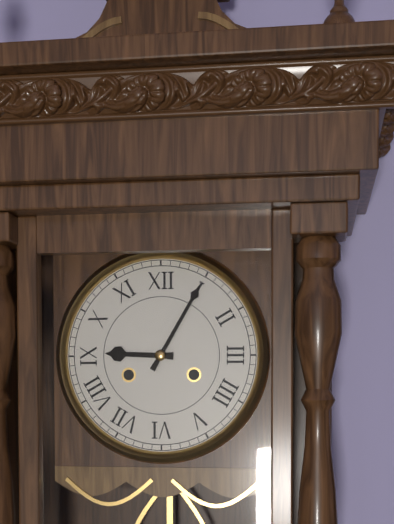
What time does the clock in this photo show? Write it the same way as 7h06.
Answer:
9h05
